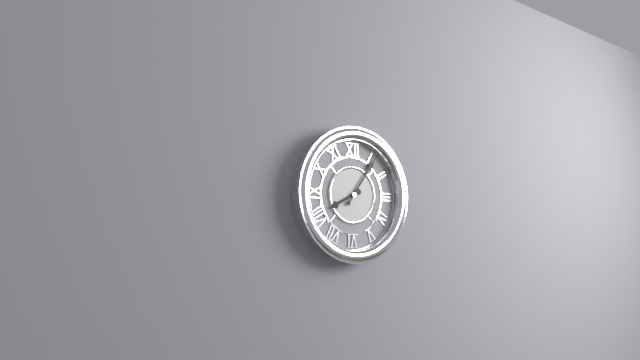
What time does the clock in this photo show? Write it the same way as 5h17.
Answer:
8h06
